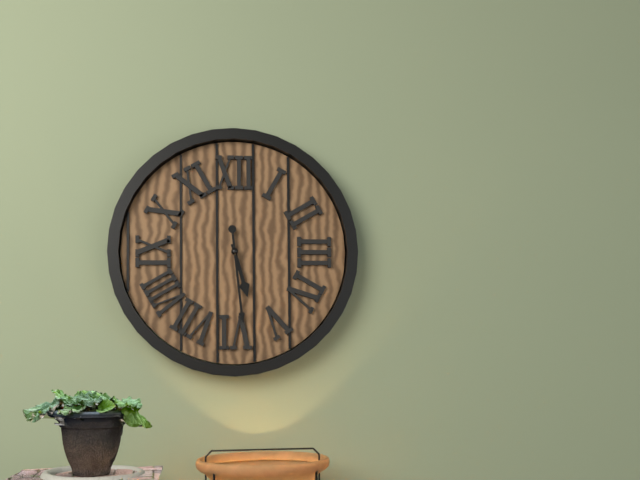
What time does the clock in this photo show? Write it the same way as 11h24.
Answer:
5h29
